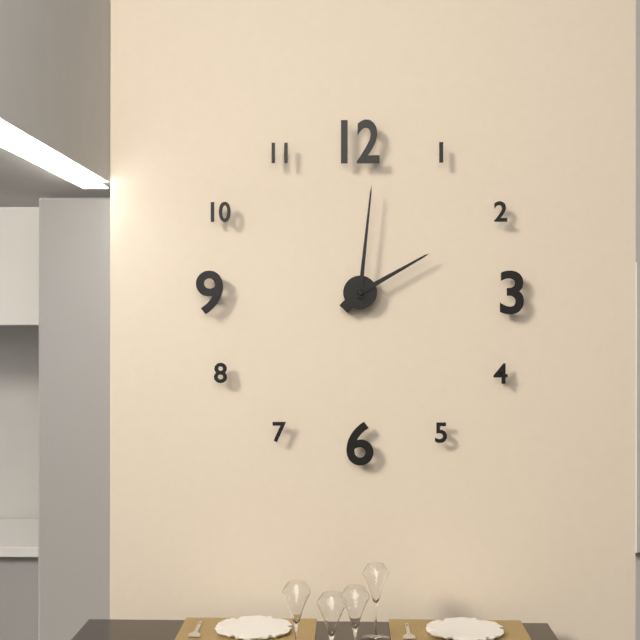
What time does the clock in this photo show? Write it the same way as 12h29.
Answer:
2h01
